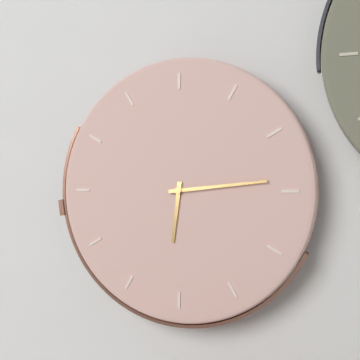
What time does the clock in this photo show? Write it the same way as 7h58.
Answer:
6h14
